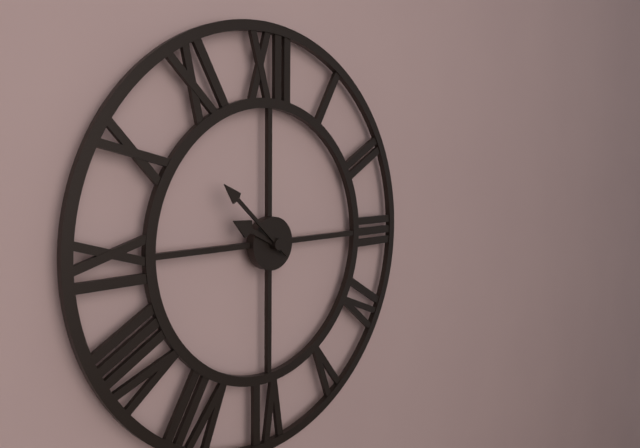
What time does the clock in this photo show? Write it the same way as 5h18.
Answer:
9h52
